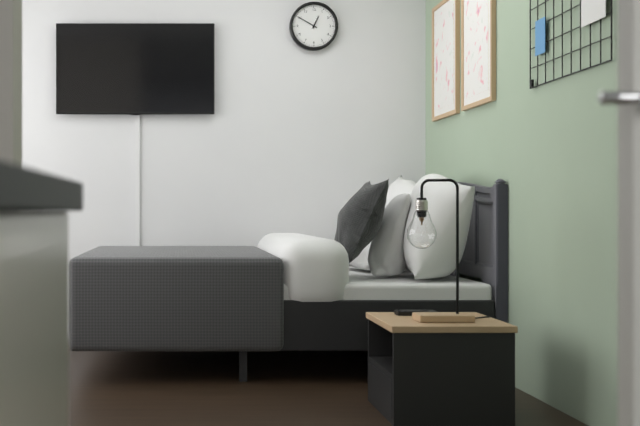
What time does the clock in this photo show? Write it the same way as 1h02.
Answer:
12h50
